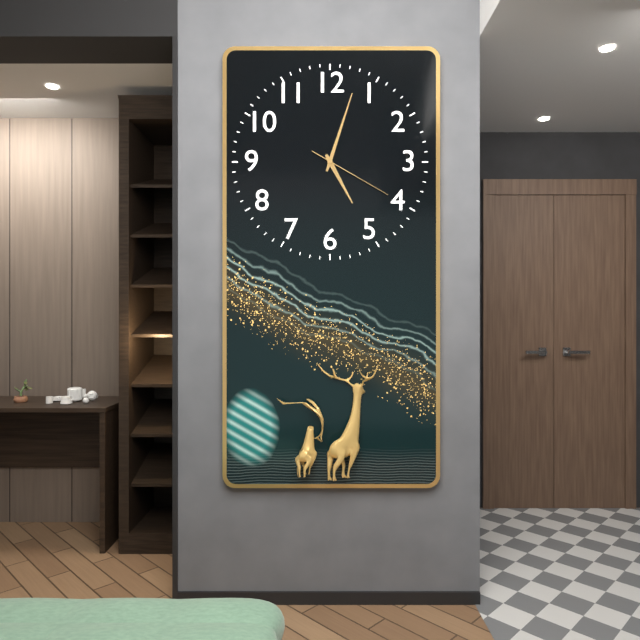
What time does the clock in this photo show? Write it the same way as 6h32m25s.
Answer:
5h03m20s
